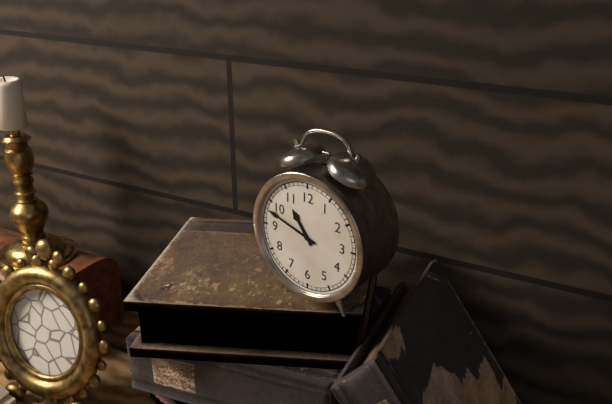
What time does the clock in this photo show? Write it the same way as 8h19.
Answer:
10h48
